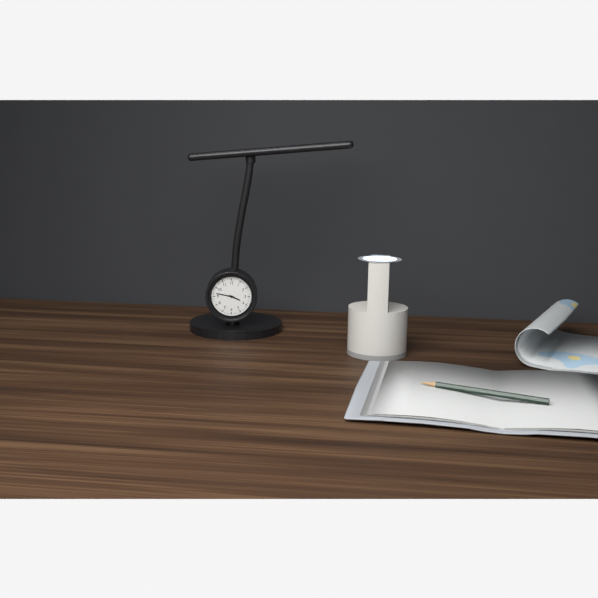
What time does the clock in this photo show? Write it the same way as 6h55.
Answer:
3h47
